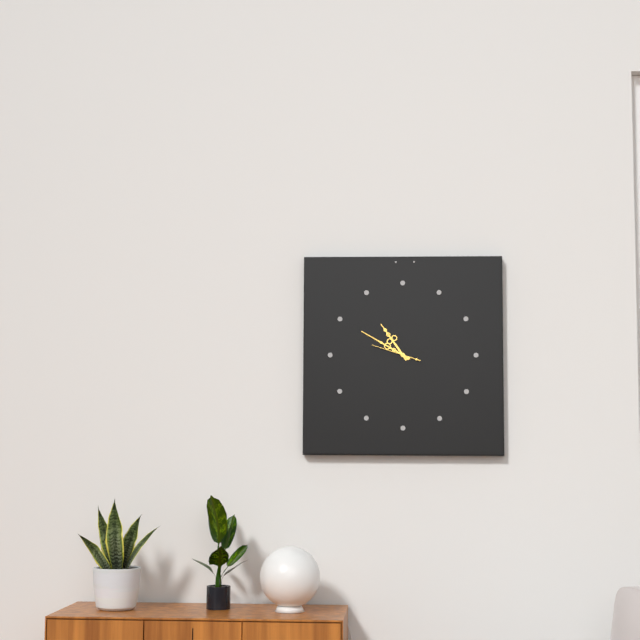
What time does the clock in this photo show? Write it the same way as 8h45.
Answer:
10h50
